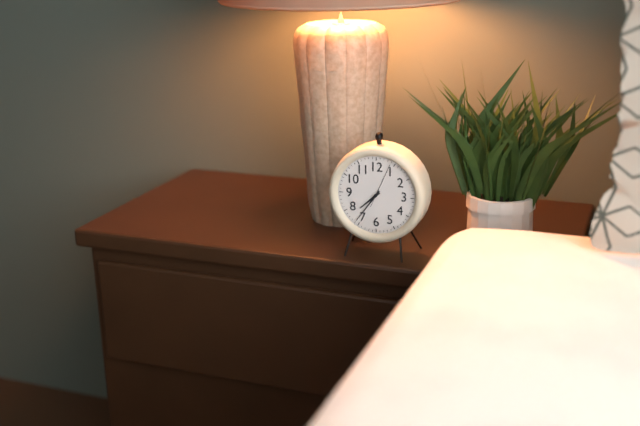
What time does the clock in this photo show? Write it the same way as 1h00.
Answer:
7h36
